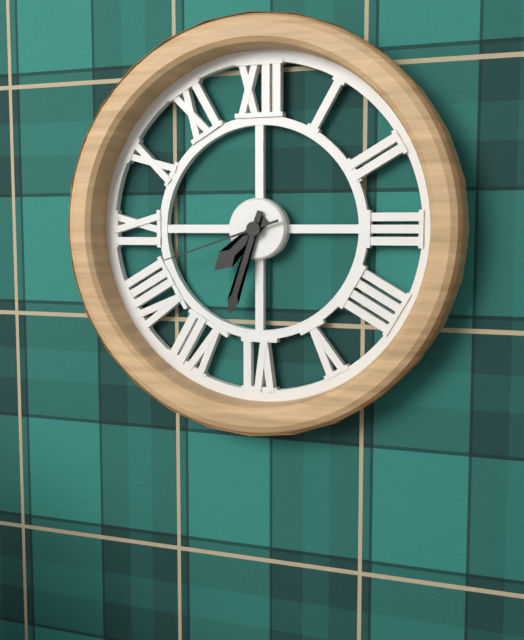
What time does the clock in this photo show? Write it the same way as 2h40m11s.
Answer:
7h33m42s
